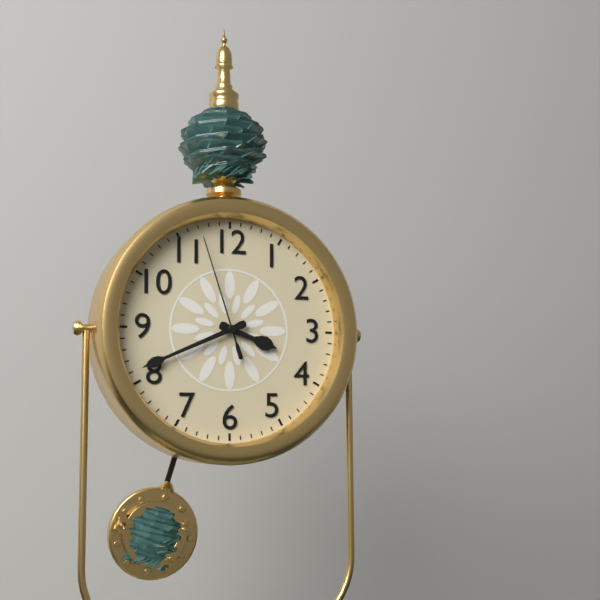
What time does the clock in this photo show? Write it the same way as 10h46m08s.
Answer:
3h41m57s
